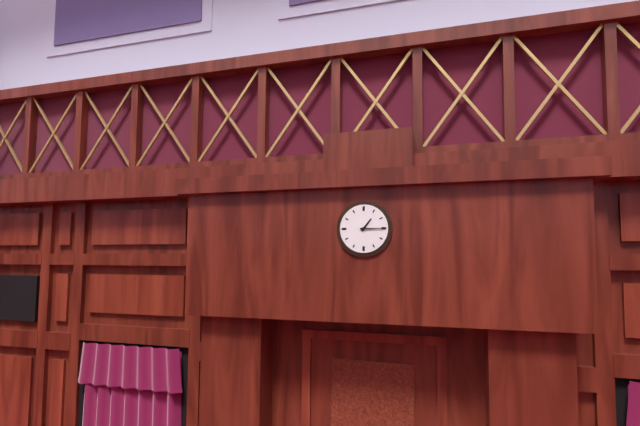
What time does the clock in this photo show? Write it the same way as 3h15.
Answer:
1h15
